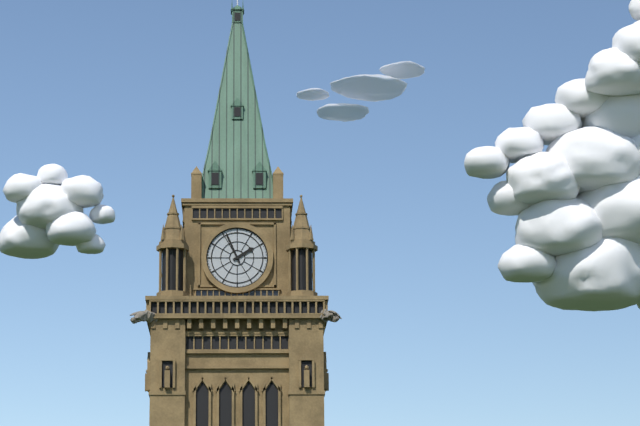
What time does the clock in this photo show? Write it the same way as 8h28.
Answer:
1h56
